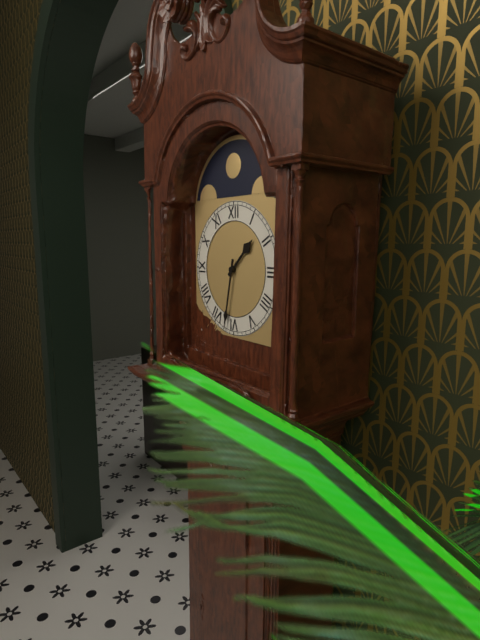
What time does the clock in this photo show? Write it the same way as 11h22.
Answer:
1h32
